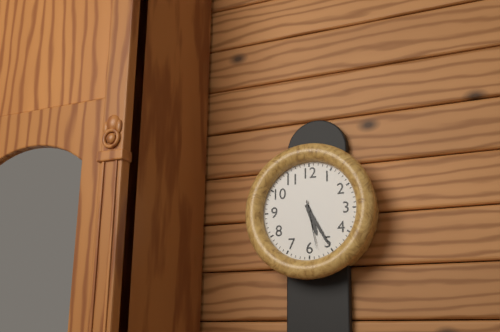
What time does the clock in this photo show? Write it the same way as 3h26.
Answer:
5h25
